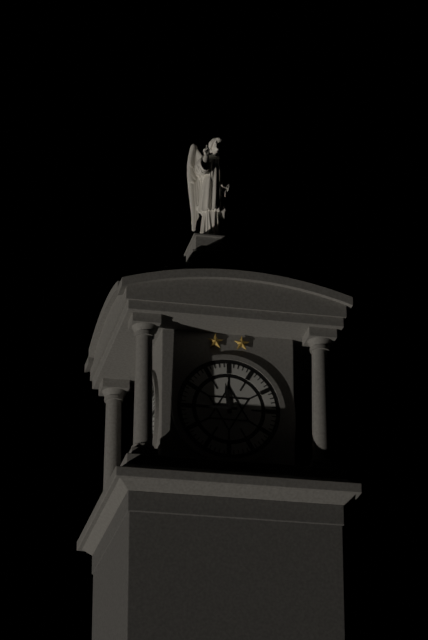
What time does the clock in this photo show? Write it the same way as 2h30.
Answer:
11h45
